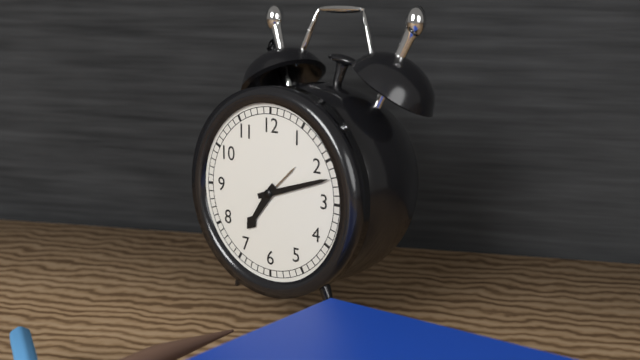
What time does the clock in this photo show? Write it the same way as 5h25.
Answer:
7h12
